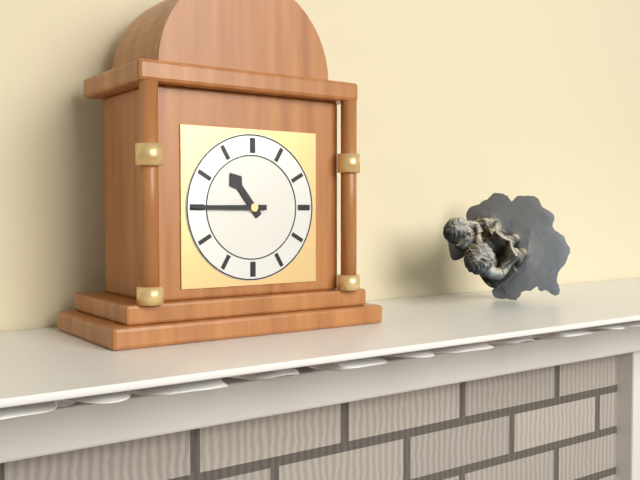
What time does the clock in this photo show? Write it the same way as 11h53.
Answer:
10h45
